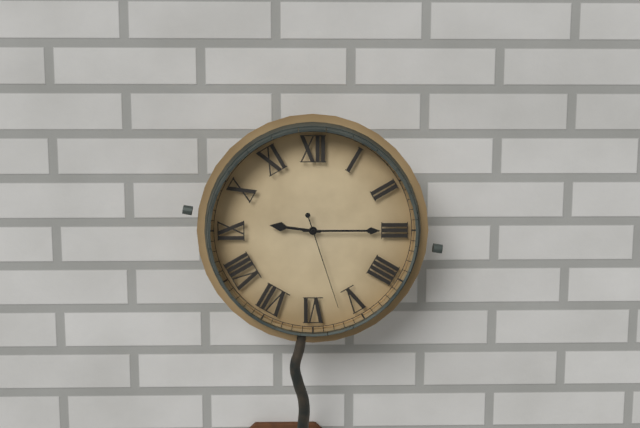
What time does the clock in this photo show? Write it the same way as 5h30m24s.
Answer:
9h15m27s
